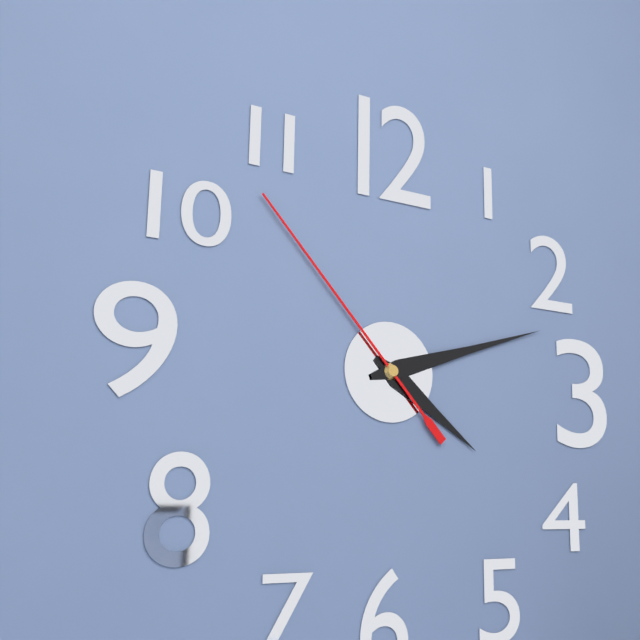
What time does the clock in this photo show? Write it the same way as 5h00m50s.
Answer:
4h12m53s
